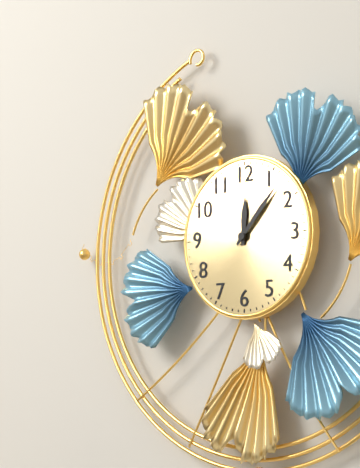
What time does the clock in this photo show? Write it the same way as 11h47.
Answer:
12h07
